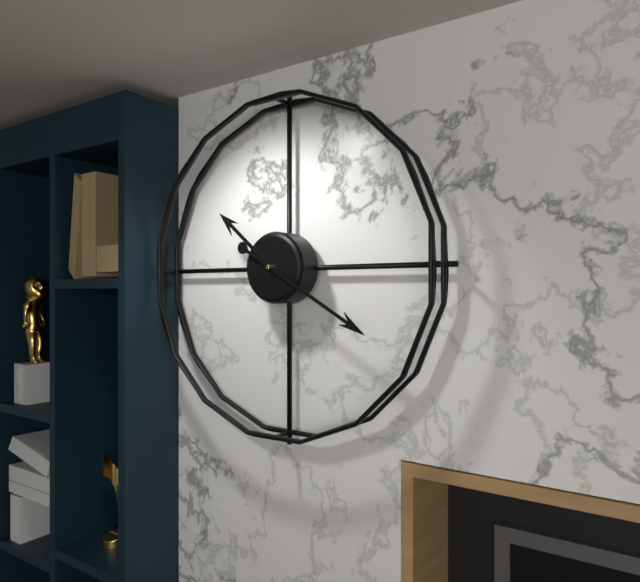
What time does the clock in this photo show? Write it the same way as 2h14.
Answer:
10h20
